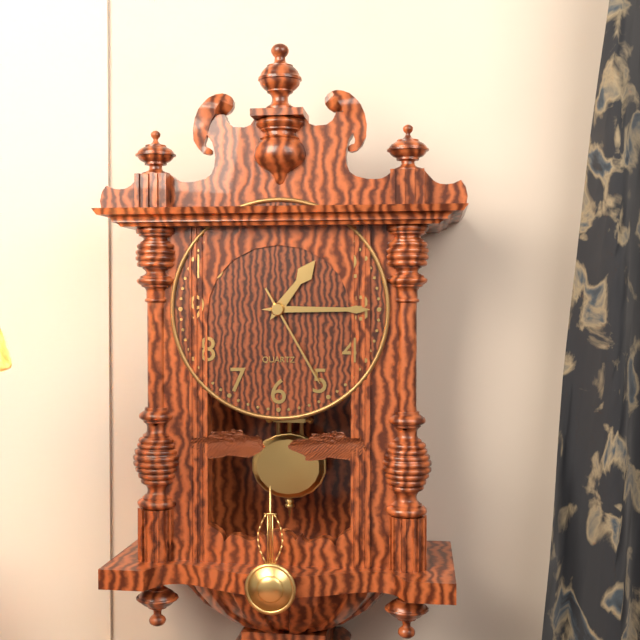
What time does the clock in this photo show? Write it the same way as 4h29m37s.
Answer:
1h15m25s
